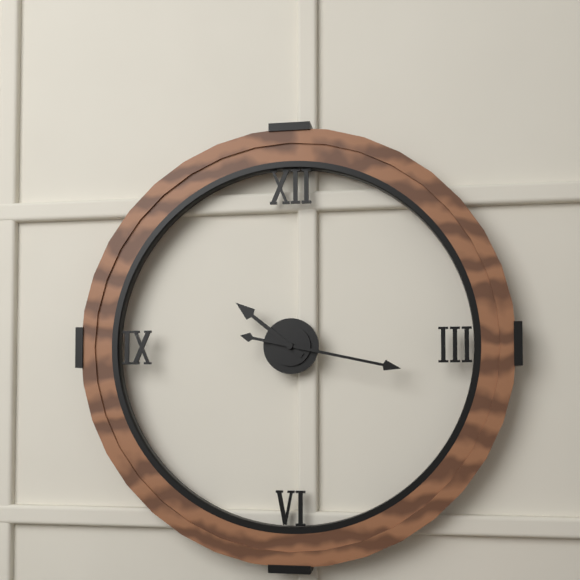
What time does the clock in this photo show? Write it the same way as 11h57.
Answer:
10h17
